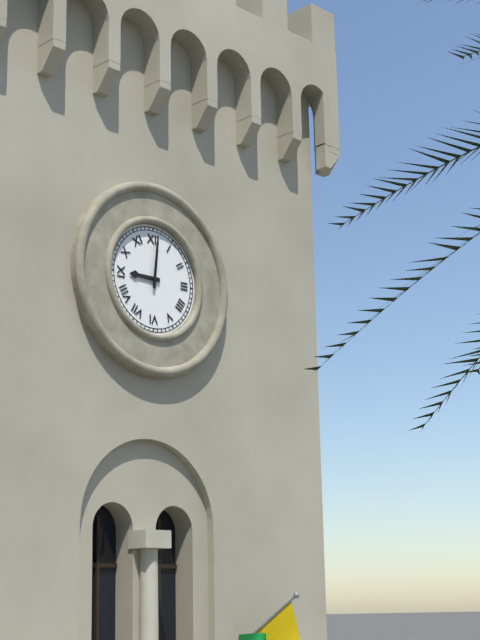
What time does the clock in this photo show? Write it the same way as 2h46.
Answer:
9h01
